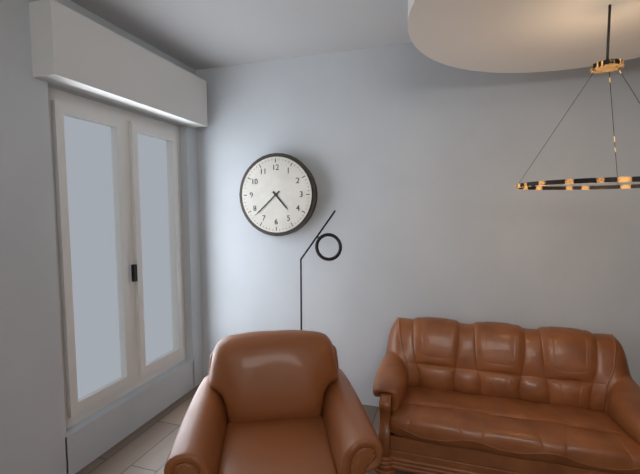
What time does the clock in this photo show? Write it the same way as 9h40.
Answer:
4h38
